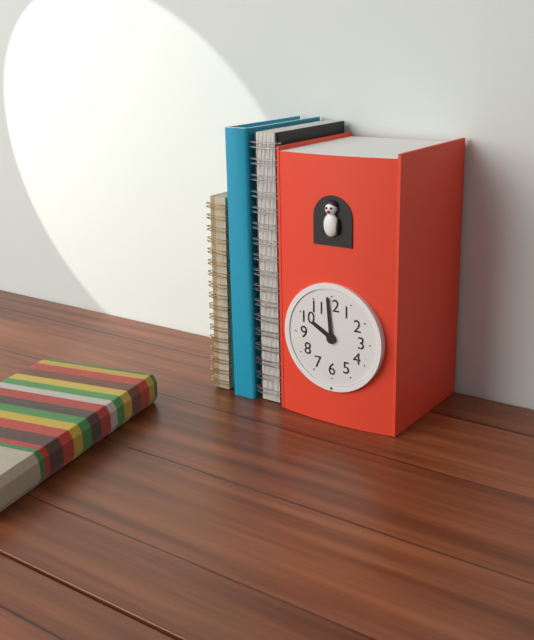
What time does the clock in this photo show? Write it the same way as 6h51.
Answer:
9h59
